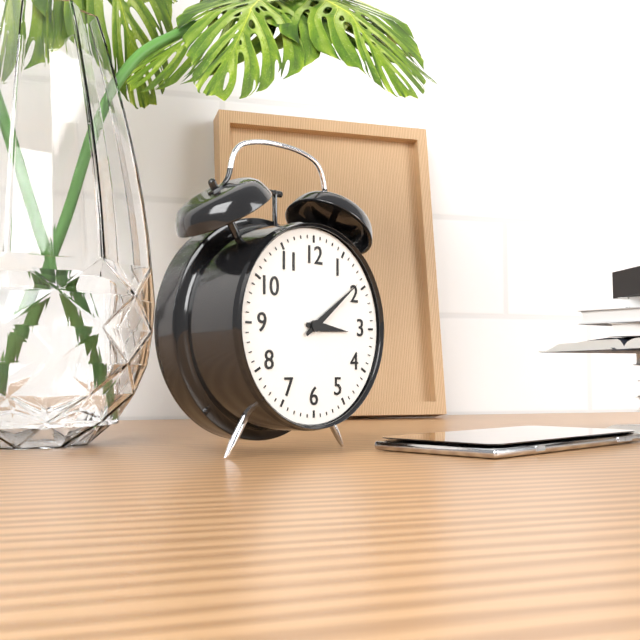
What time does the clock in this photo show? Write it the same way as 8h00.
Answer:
3h09
